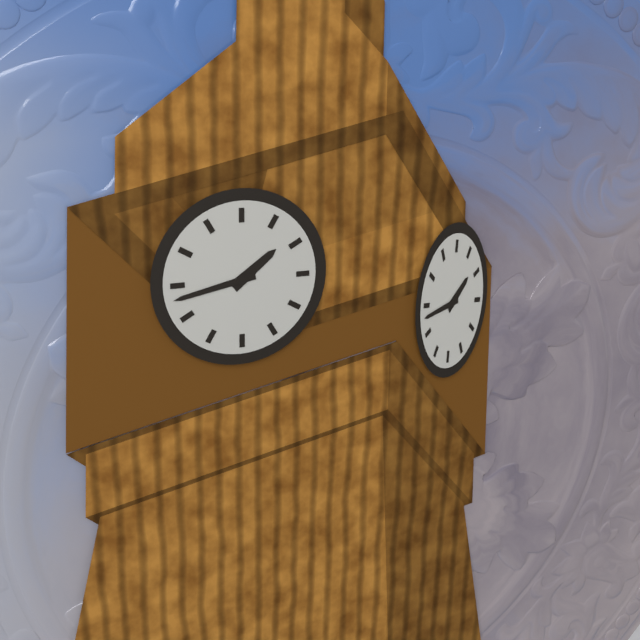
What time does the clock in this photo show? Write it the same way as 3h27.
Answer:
1h43
